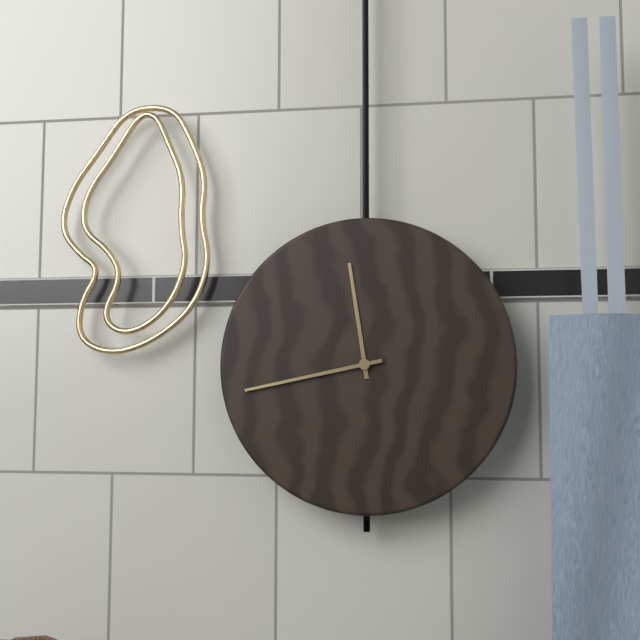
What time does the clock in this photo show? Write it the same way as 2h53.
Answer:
11h43
